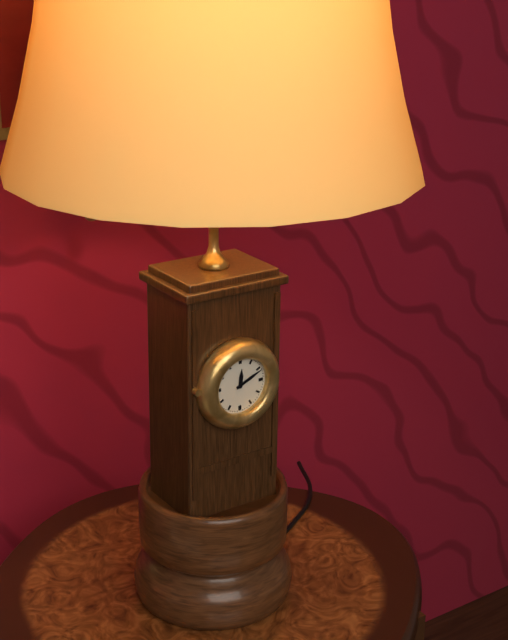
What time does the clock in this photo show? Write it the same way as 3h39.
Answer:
12h11
